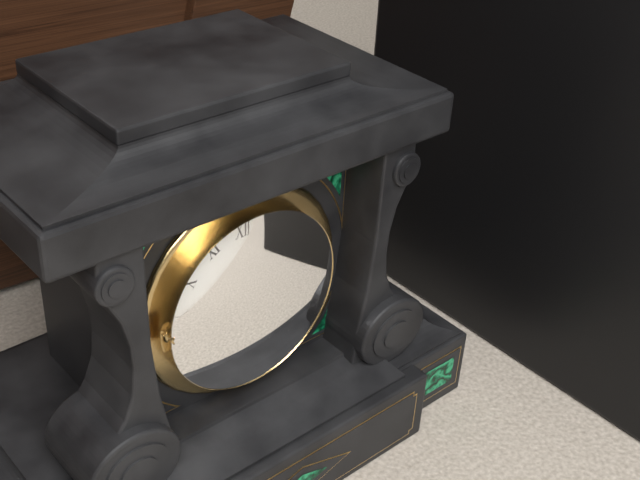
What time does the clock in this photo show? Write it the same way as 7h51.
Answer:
7h36
